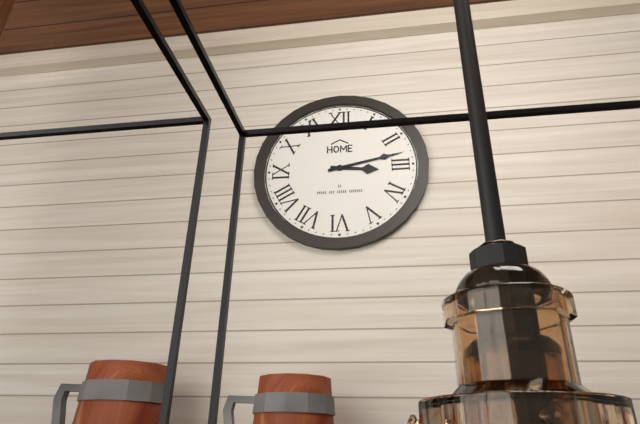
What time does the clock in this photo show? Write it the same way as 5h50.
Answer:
3h13
